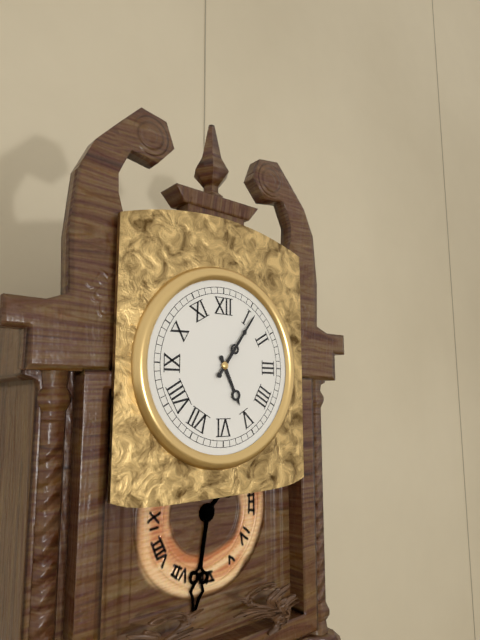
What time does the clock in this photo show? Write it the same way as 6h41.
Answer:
5h06
